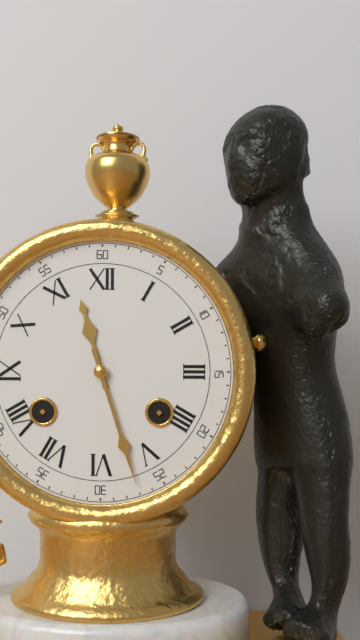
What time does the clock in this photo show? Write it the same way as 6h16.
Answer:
11h27
